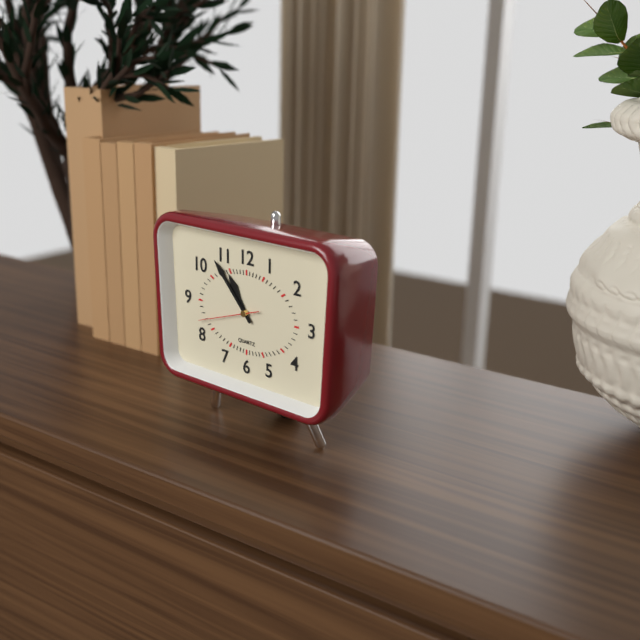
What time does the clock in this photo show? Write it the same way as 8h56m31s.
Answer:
10h53m42s
